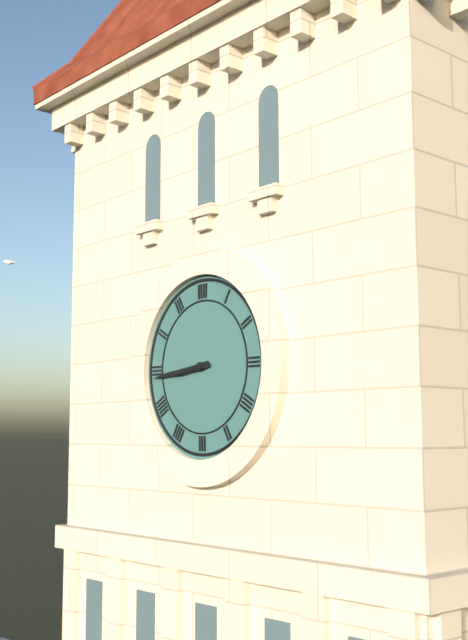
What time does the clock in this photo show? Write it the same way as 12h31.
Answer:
8h44
